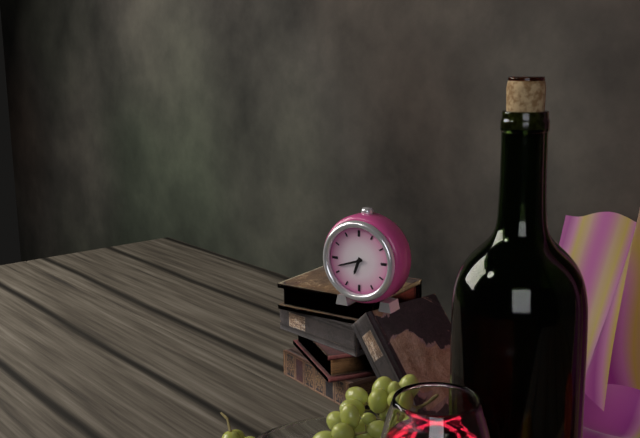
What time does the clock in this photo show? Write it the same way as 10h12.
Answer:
6h42
